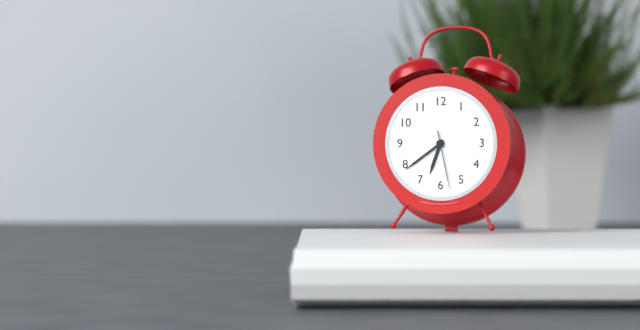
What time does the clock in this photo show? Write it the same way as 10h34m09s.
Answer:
6h39m28s
